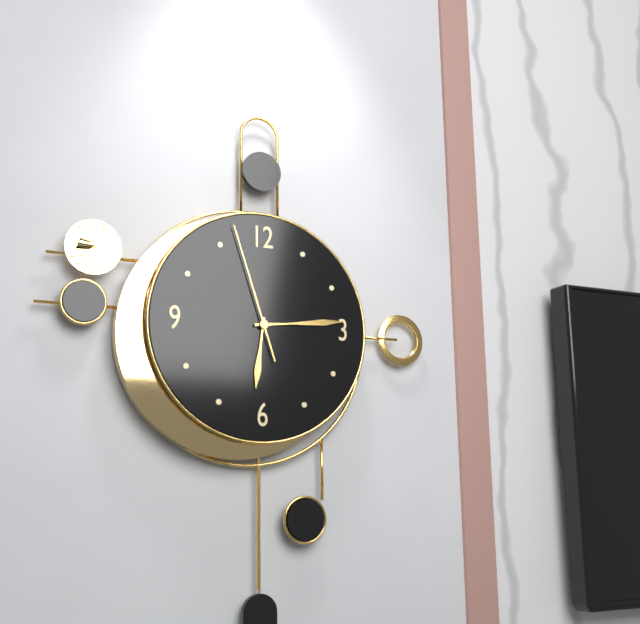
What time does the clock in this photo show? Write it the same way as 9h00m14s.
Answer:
6h14m57s
